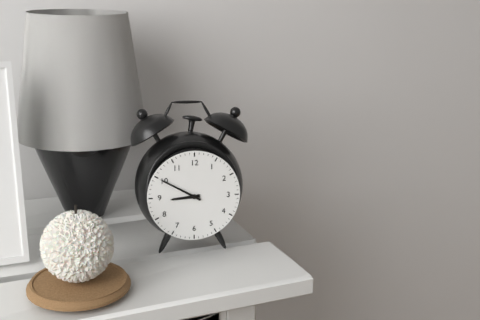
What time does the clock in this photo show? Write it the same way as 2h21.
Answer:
8h50
